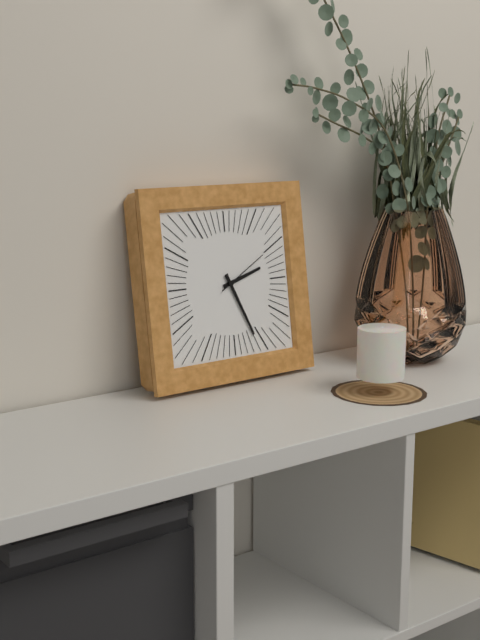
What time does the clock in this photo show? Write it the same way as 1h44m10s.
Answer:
2h26m10s
